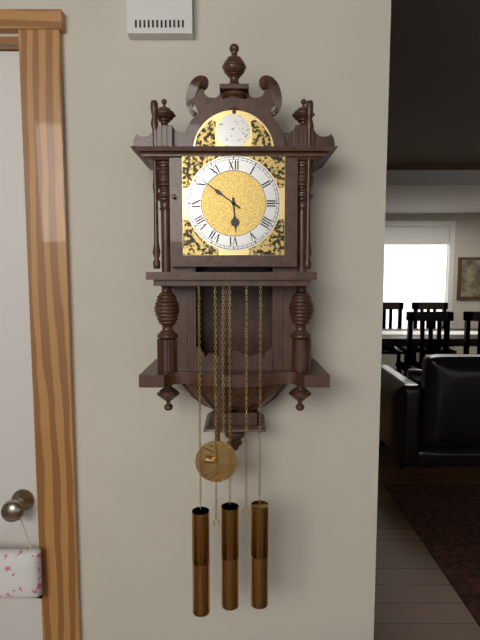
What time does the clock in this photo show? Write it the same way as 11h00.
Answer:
5h51
